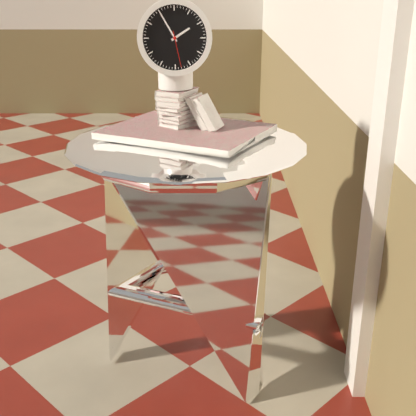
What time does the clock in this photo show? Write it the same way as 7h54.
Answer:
1h55
